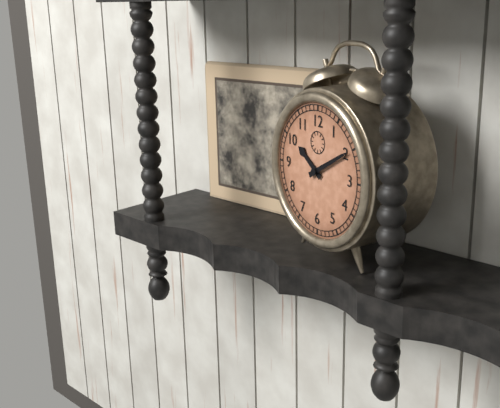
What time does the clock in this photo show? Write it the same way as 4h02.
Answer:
10h10
